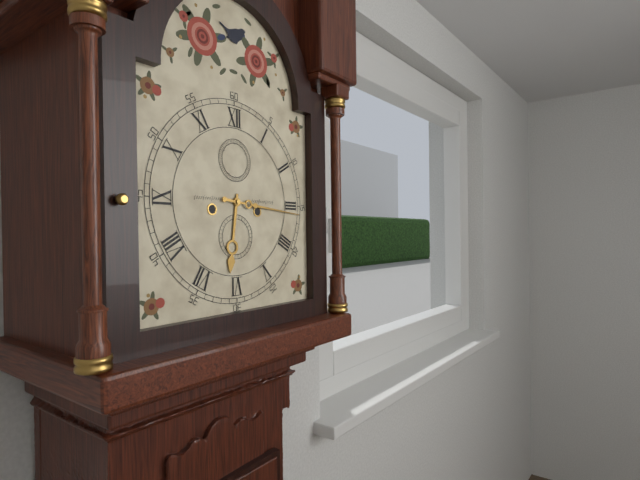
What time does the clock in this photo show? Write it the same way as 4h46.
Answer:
6h16
